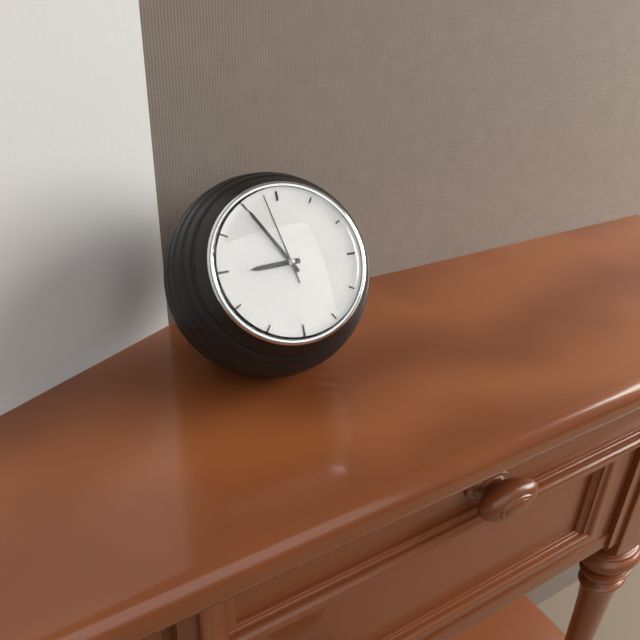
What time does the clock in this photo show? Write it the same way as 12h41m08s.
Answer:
8h55m58s
